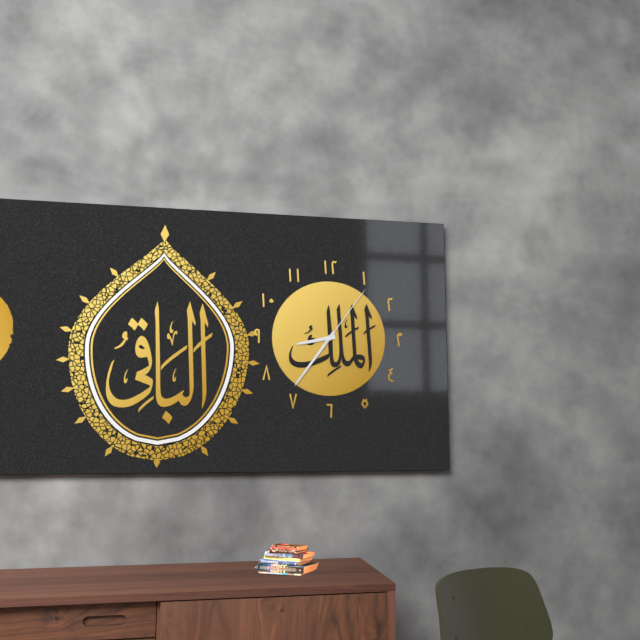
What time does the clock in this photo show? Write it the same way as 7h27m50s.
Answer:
8h36m06s
